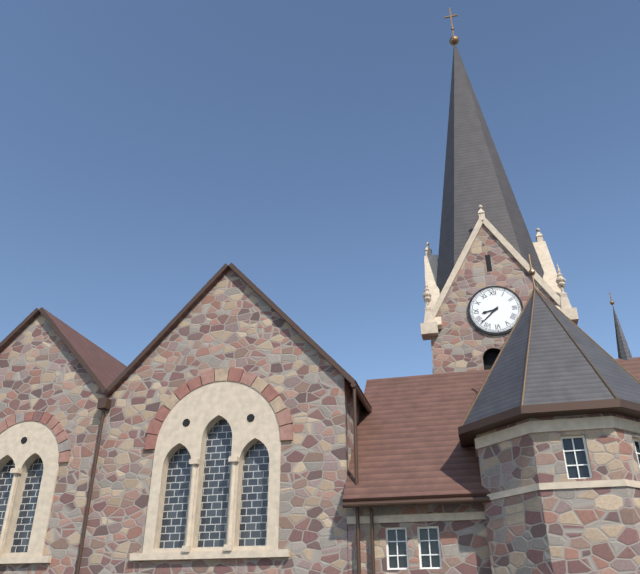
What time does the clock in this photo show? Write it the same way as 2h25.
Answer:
8h38
